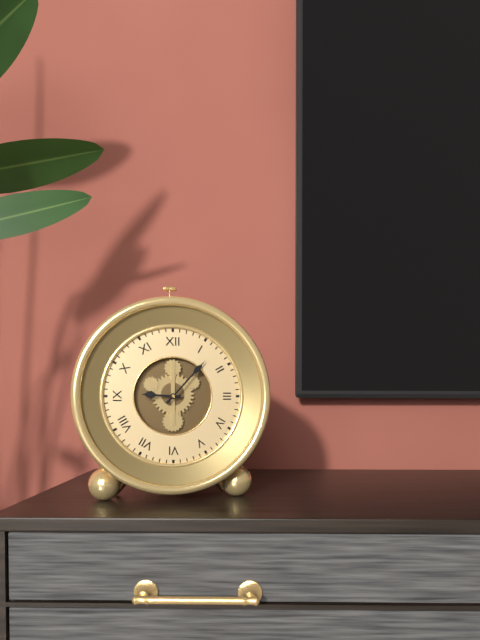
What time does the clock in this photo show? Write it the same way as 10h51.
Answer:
9h07
